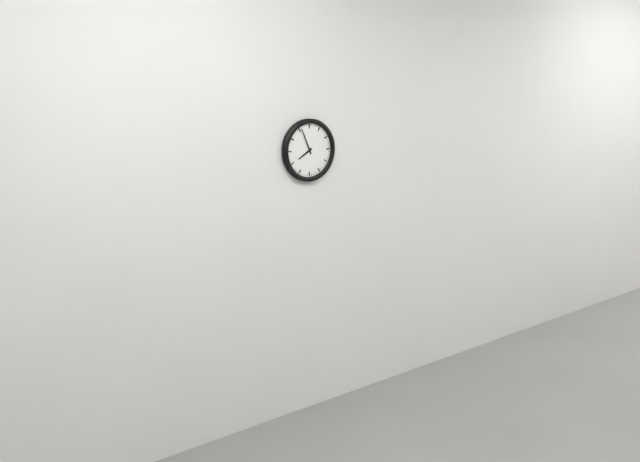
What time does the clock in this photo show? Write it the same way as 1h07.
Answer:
7h56
